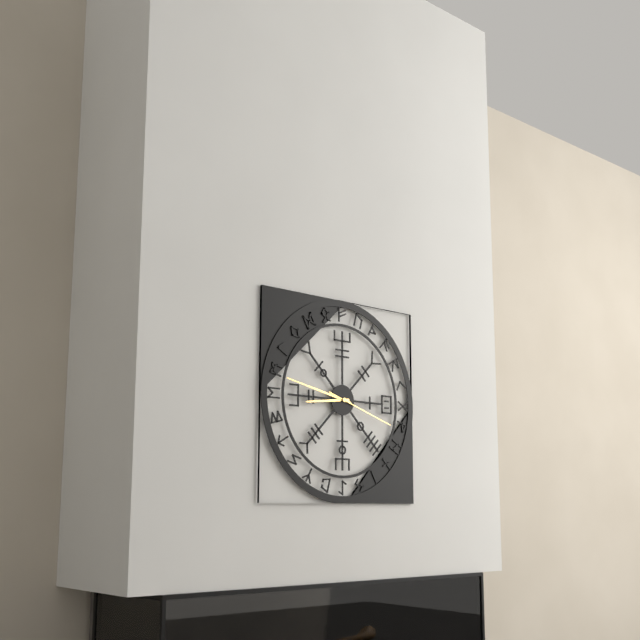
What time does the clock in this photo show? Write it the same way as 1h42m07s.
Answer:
8h47m18s
